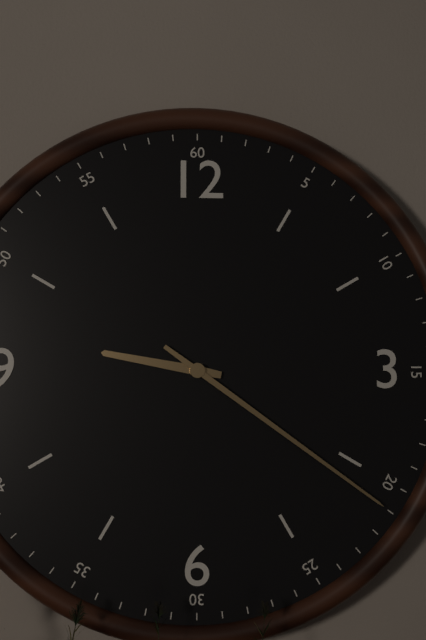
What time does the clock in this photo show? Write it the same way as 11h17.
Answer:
9h21
